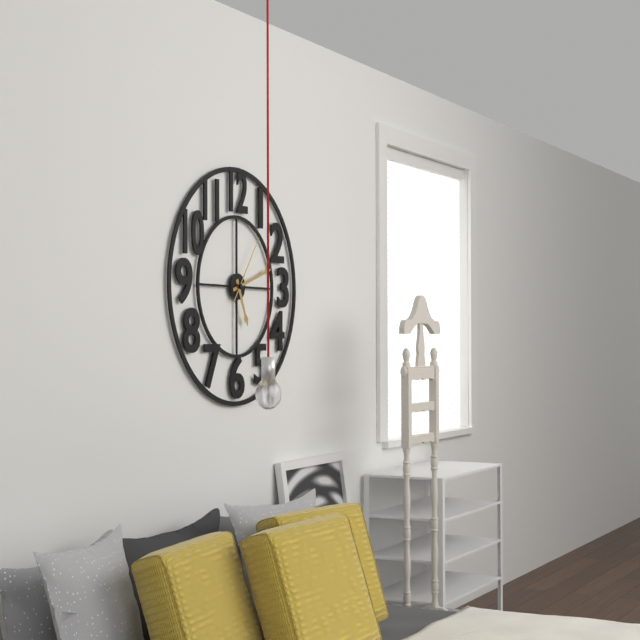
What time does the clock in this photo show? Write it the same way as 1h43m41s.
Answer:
5h12m06s
